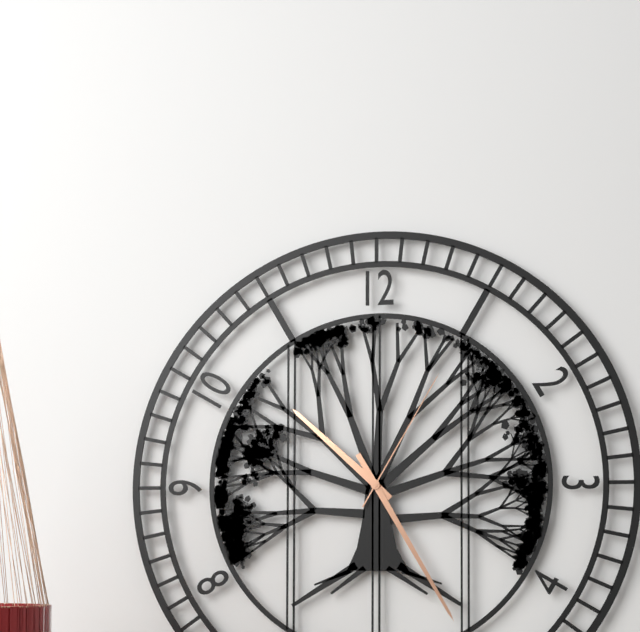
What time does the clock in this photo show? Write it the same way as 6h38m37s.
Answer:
10h25m05s
